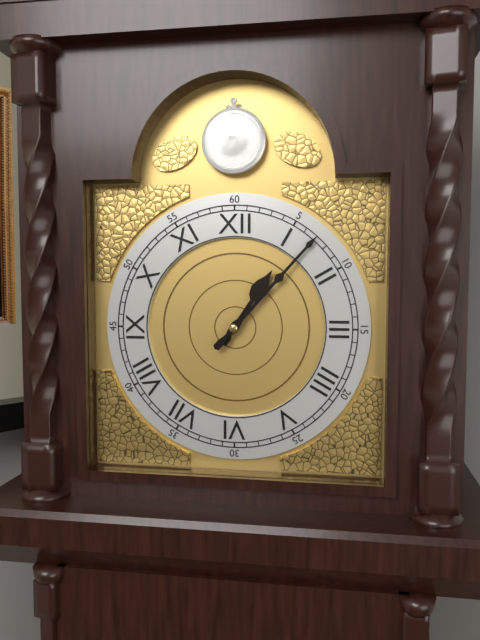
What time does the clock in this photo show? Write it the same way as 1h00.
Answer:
1h07
